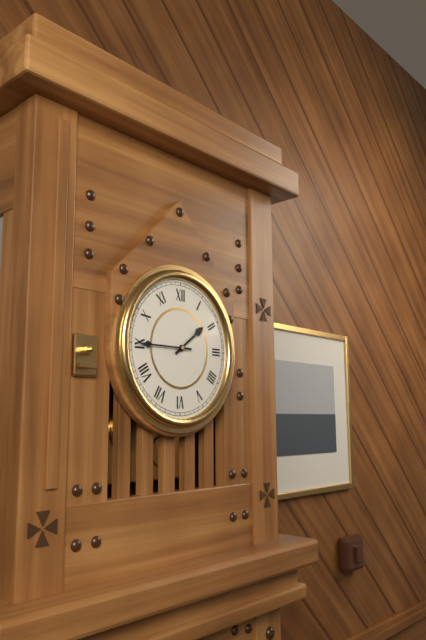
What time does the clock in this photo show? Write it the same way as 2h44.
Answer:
1h45
